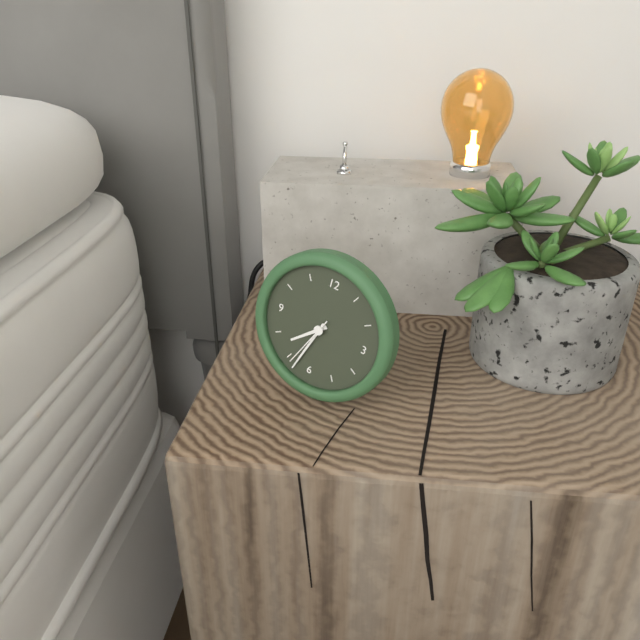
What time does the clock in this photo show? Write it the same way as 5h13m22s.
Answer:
7h33m34s
